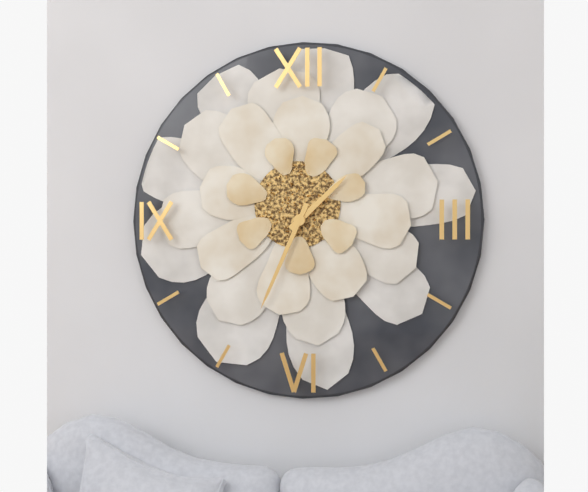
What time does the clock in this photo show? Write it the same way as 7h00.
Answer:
1h34
